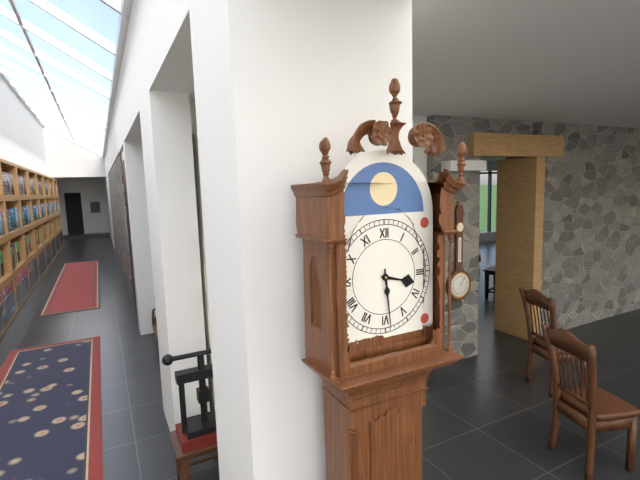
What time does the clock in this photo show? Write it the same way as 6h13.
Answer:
3h29
